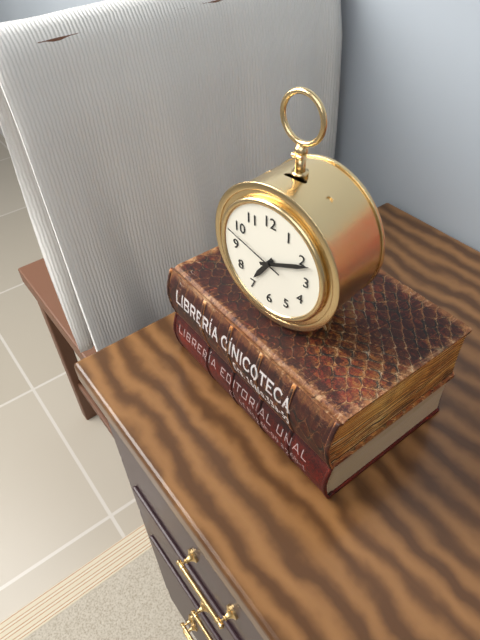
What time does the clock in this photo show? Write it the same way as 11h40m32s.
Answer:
7h11m48s
